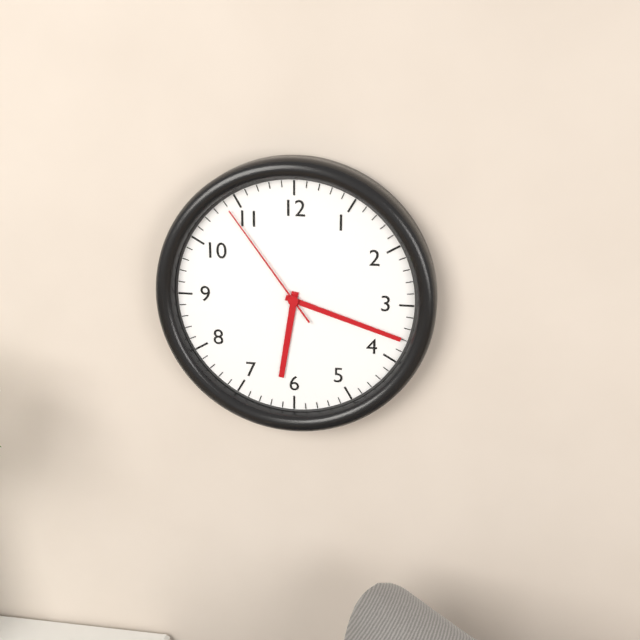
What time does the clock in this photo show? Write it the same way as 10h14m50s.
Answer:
6h18m54s
